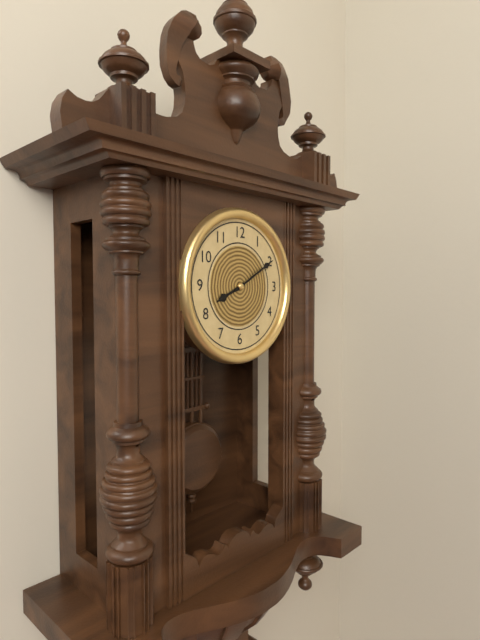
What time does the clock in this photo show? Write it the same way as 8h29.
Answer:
8h10
